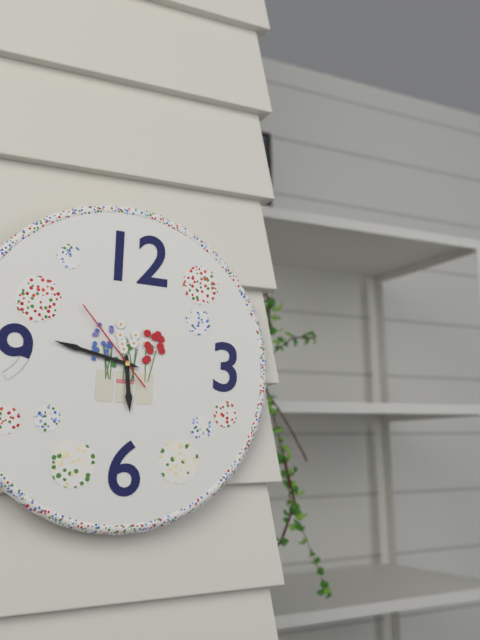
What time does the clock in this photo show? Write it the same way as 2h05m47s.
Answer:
5h47m53s
